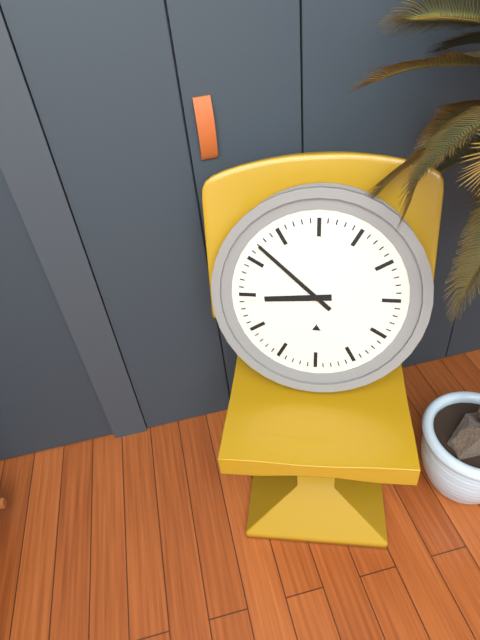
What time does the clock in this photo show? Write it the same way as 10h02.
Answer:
8h52
